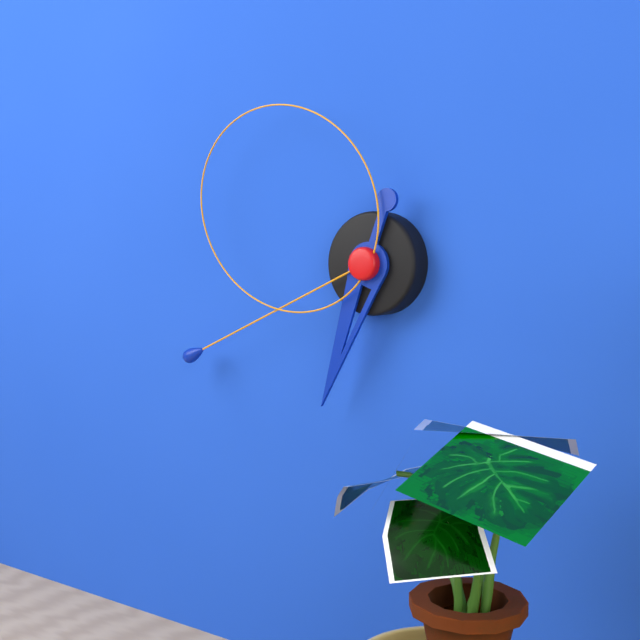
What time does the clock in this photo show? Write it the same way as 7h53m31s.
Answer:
6h41m50s
